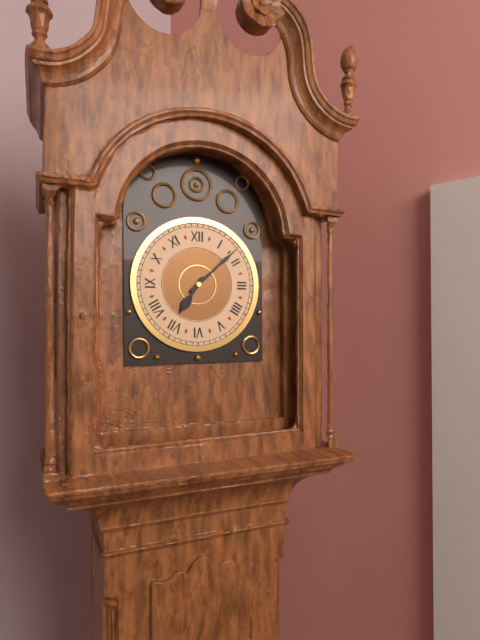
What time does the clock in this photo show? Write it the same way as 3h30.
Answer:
7h08
